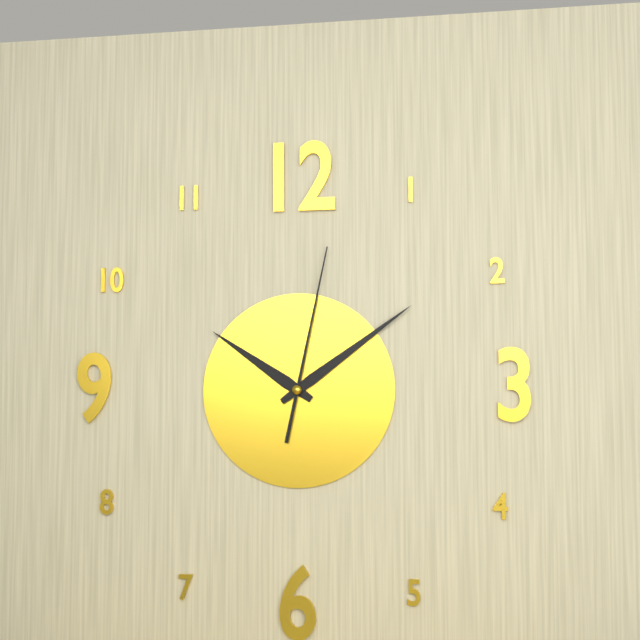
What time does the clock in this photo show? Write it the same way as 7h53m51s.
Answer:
10h09m02s
